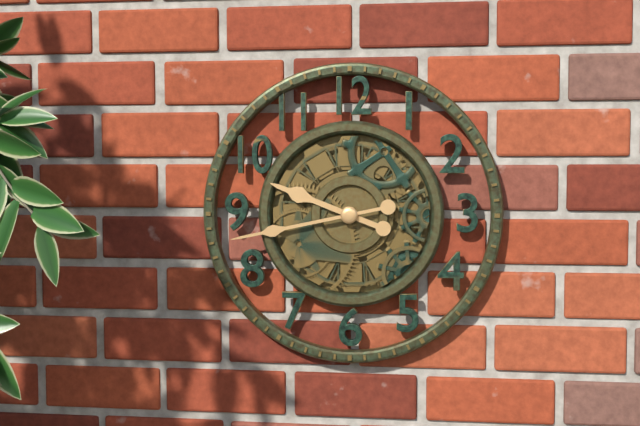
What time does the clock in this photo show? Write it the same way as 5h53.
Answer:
9h43
